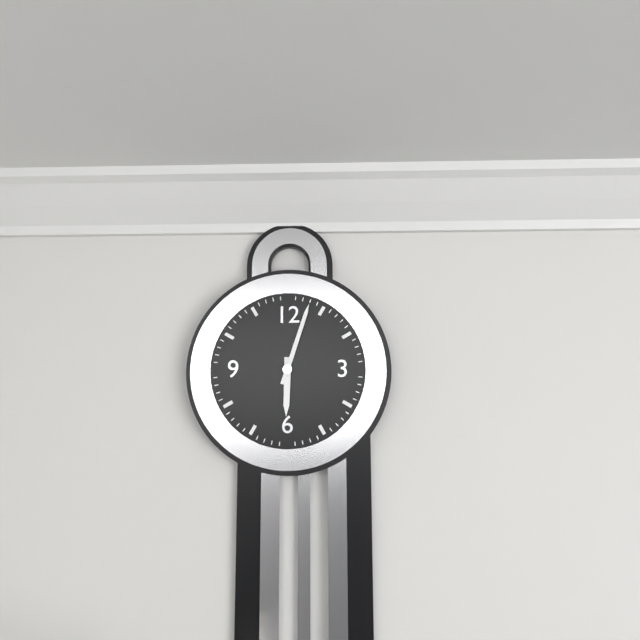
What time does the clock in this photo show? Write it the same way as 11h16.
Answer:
6h03
